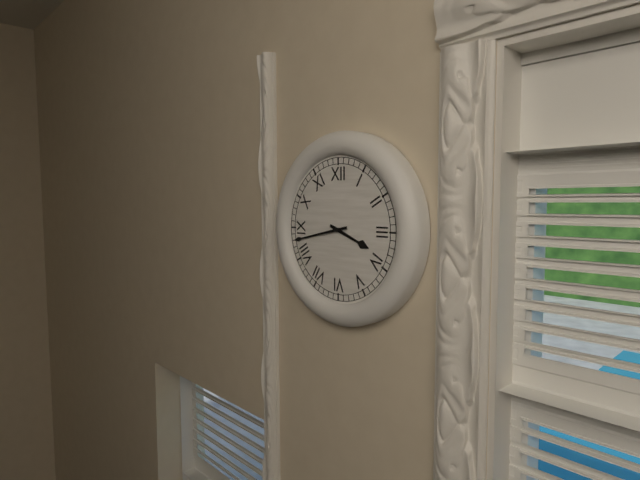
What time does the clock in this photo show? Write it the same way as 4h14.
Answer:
3h43
